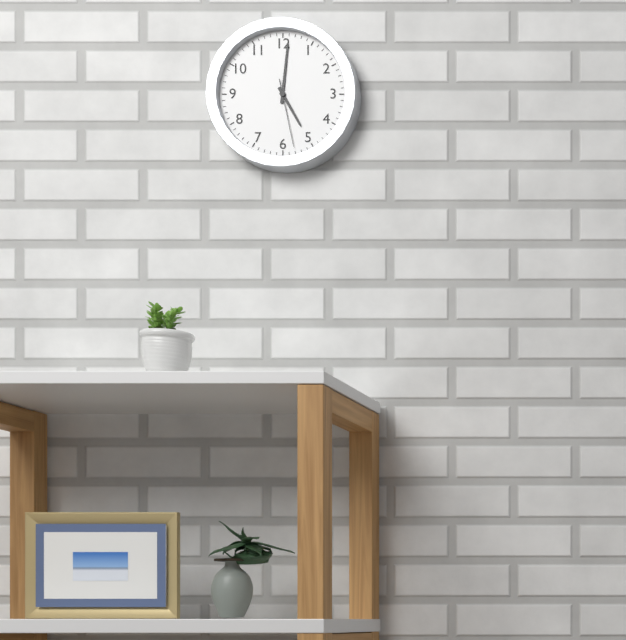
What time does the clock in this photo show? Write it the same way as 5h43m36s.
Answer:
5h01m28s
